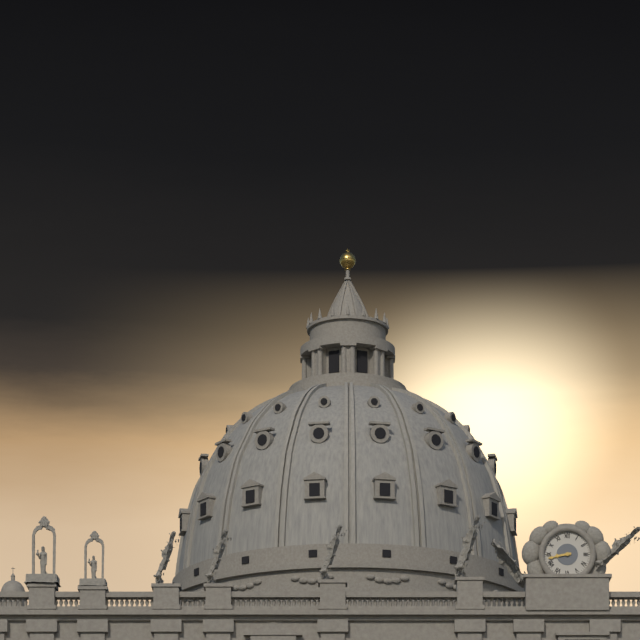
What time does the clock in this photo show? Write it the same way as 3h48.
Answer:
8h43
